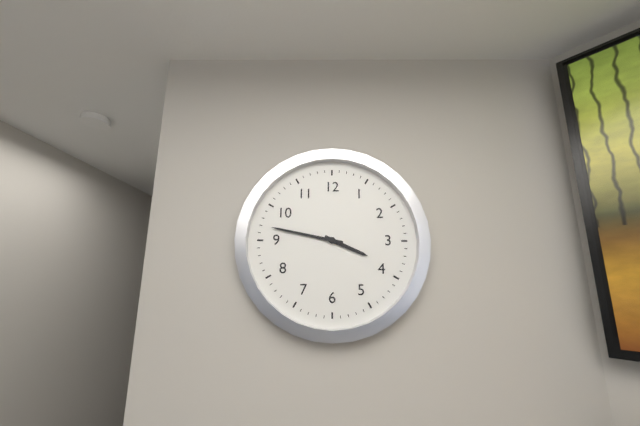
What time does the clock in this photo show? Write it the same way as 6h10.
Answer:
3h47
